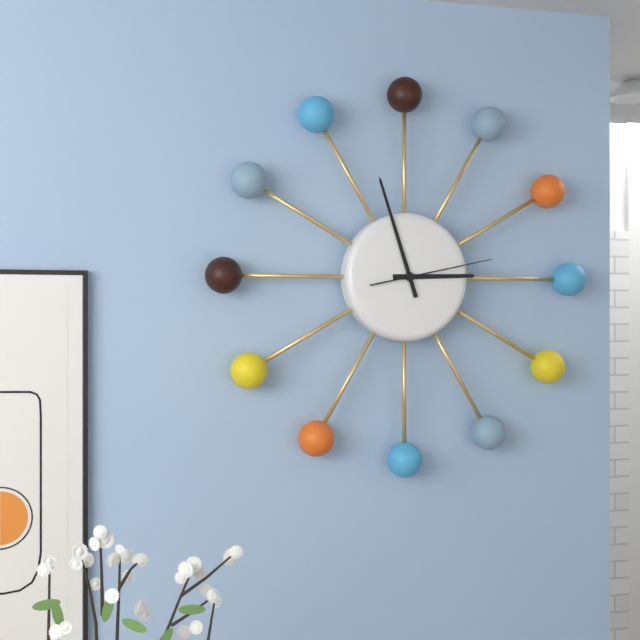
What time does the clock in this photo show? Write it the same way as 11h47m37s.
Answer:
2h57m13s
